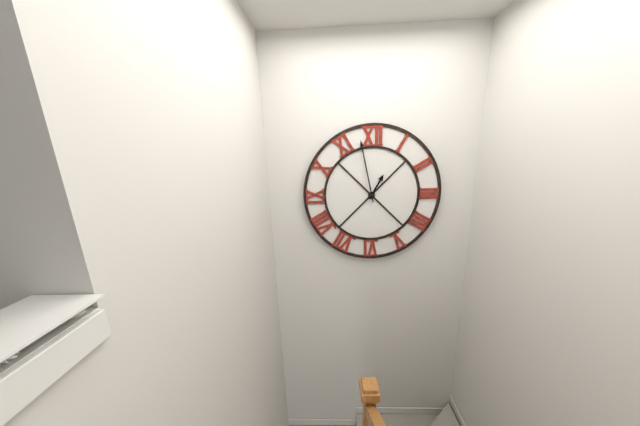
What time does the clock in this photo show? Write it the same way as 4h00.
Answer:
12h58
